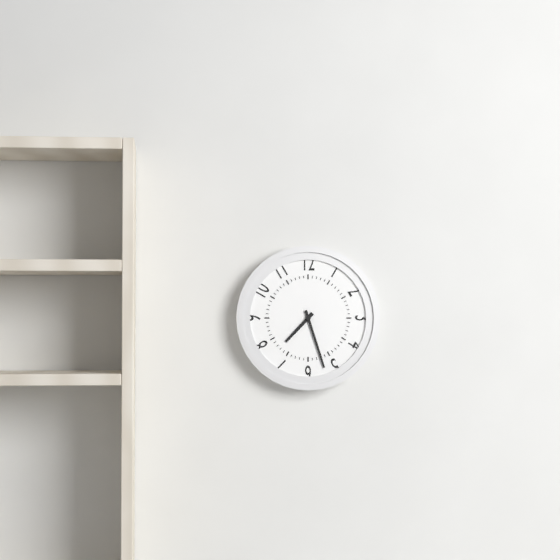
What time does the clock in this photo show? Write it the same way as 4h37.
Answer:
7h27
